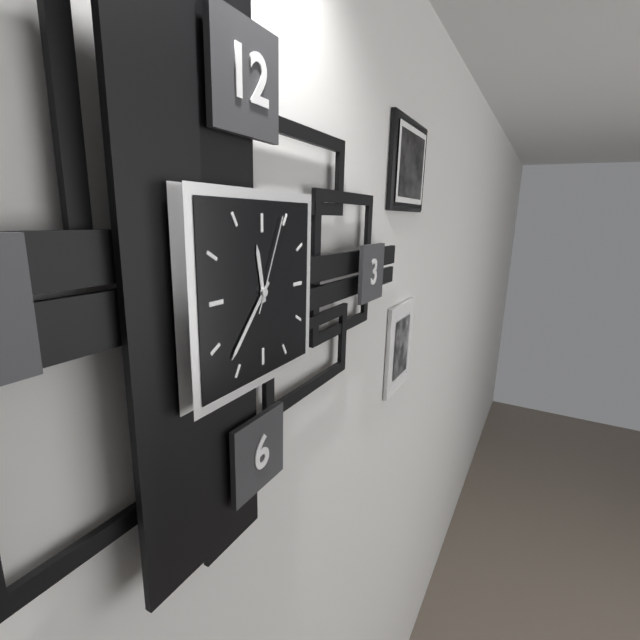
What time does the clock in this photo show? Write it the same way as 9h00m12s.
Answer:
11h37m04s
